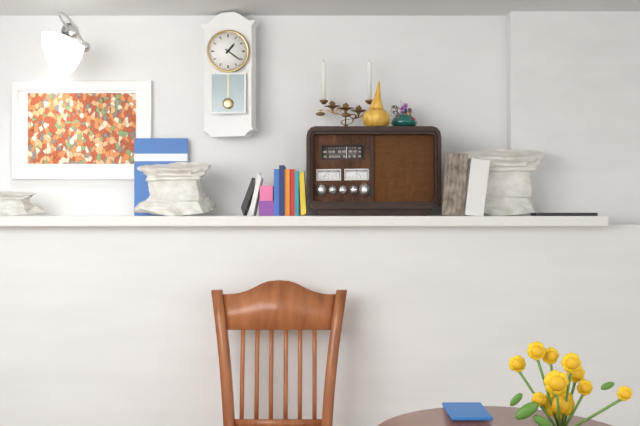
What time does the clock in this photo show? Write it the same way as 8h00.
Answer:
1h21
